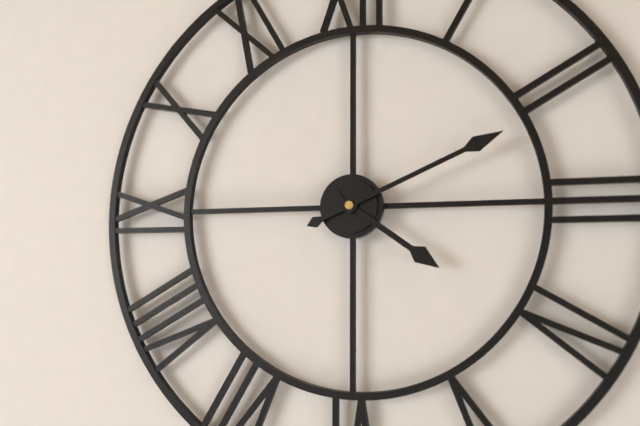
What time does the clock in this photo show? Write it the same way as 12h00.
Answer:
4h11
